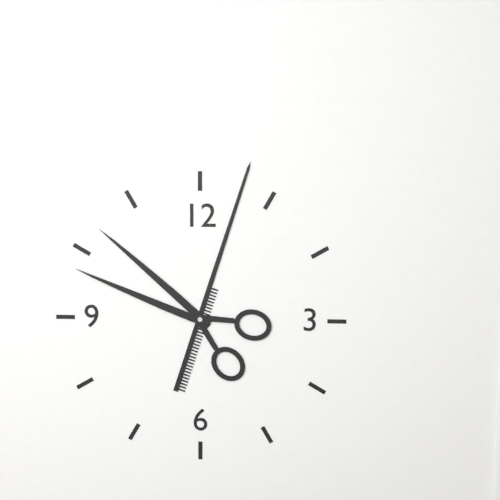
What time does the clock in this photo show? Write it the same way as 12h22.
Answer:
10h03
